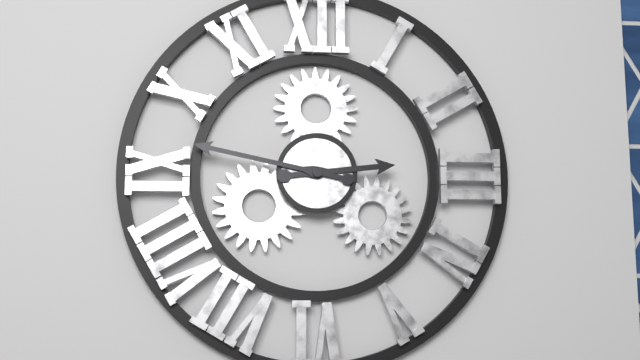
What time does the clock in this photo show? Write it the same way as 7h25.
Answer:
2h47
